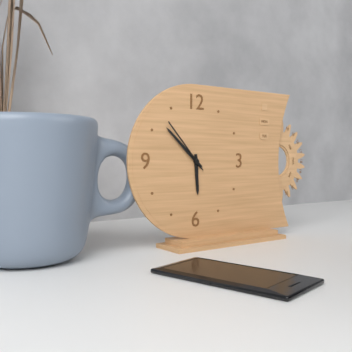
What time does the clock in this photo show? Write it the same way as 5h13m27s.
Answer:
5h52m53s
